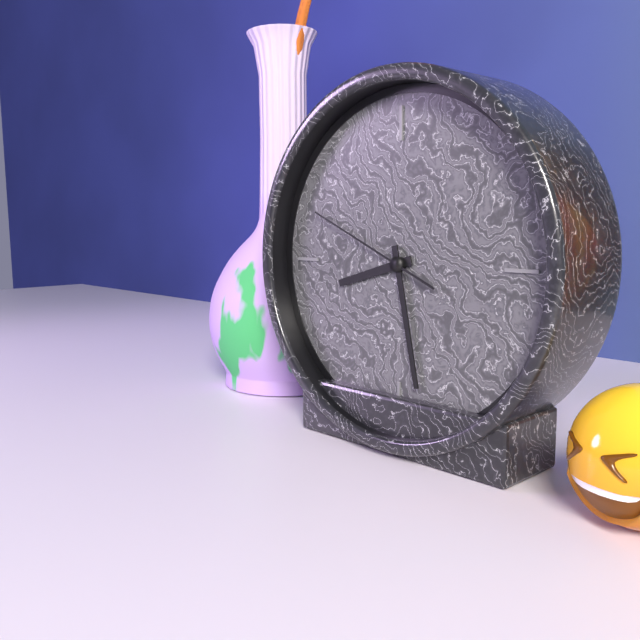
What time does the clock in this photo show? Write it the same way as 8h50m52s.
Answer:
8h28m49s
